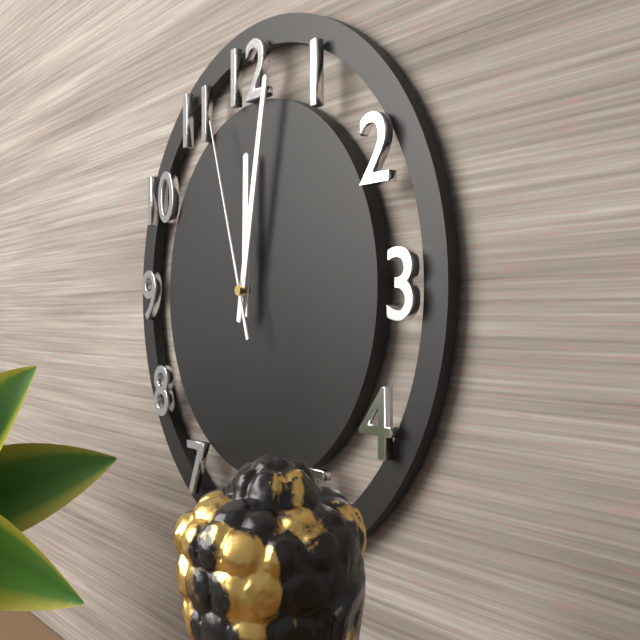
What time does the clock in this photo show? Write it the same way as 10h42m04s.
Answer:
12h02m57s
